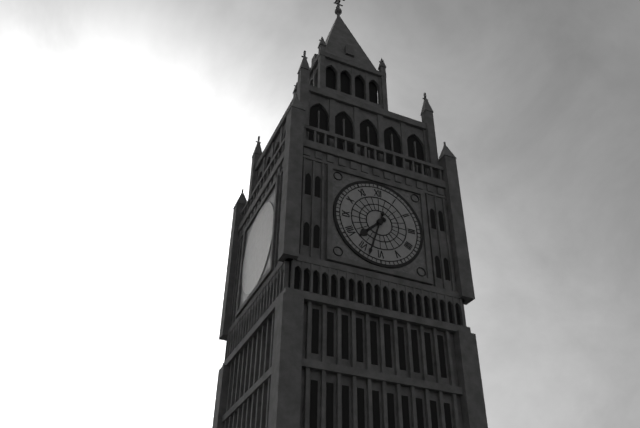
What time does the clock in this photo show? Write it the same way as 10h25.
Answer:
7h33
